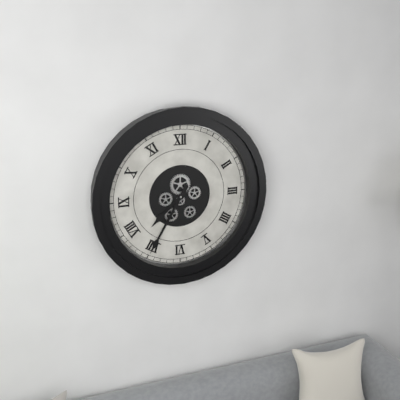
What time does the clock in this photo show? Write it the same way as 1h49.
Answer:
7h35
